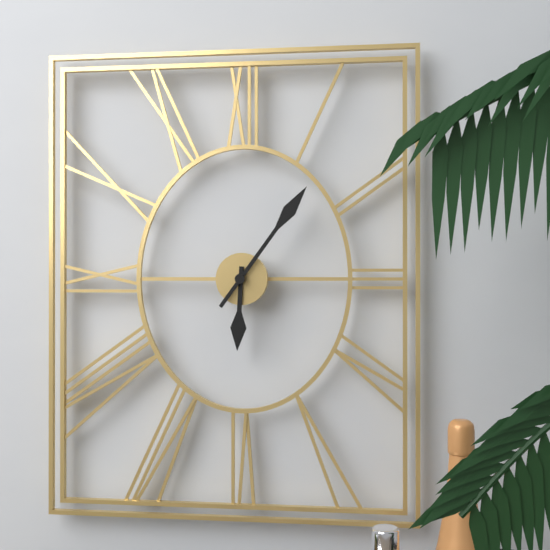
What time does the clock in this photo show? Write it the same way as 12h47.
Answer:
6h06
